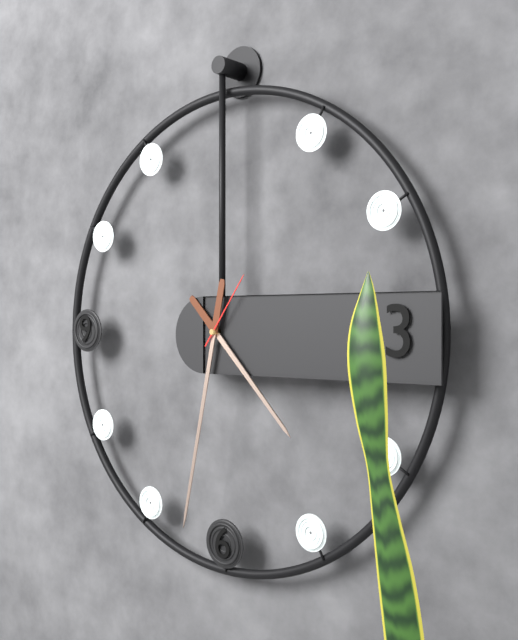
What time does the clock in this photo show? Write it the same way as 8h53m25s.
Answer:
4h32m06s
